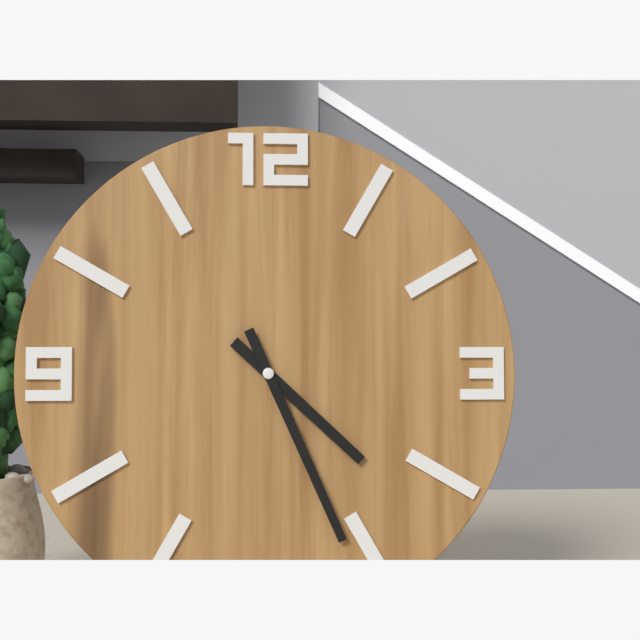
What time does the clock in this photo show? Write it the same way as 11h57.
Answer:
4h26
